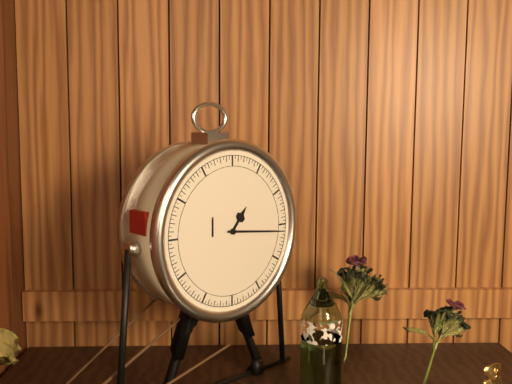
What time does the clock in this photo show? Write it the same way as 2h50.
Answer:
1h16
